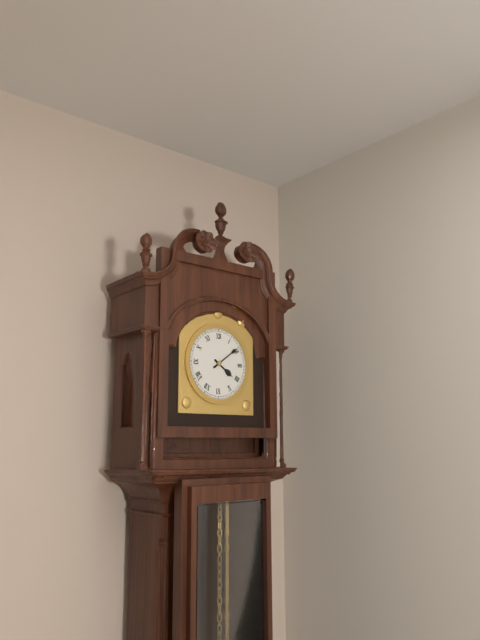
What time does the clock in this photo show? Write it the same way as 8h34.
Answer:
4h09
